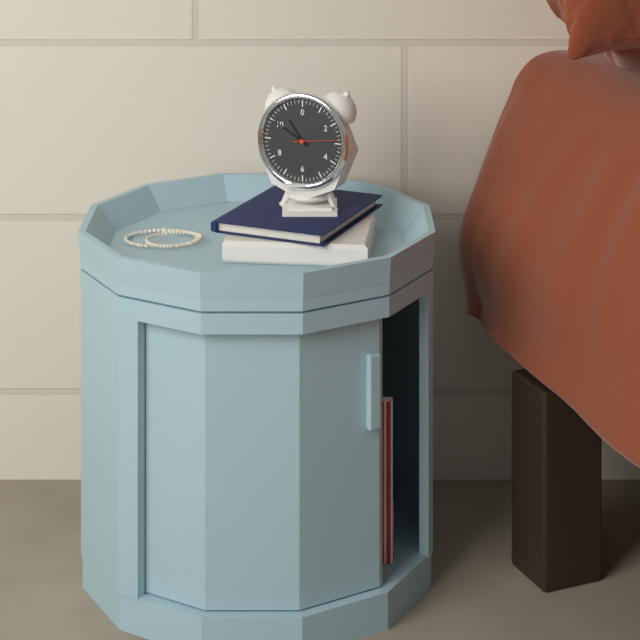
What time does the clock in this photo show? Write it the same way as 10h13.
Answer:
10h50
